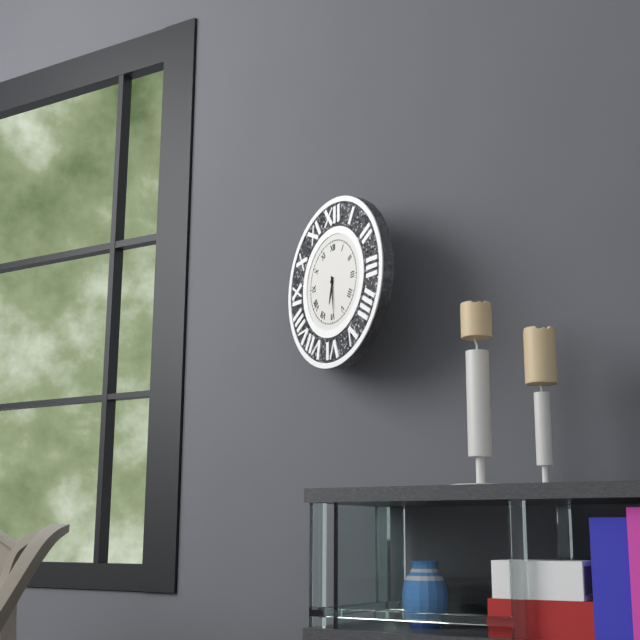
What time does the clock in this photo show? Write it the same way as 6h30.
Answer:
6h29
